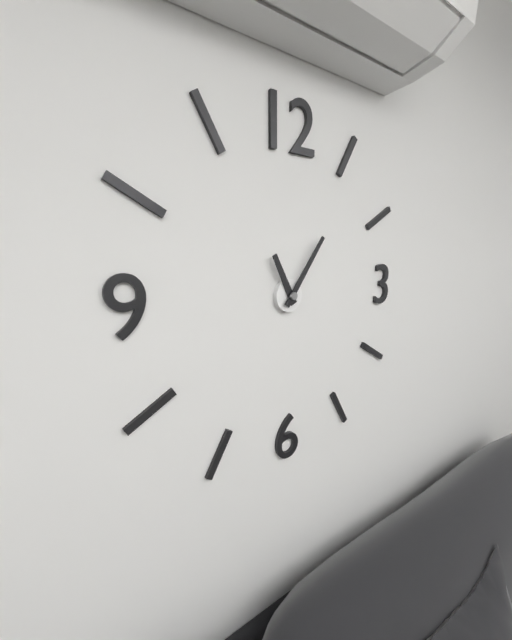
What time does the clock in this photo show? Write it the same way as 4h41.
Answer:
11h06
